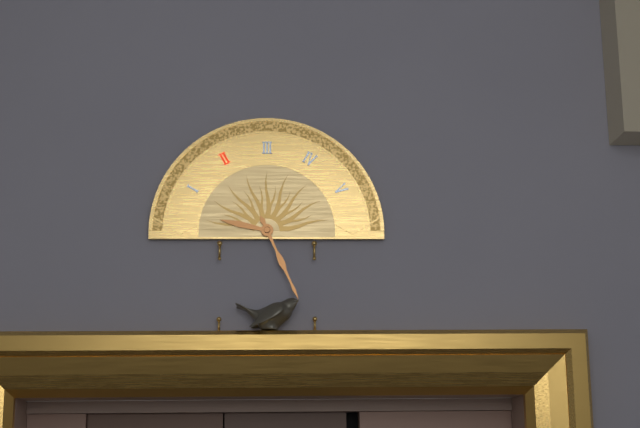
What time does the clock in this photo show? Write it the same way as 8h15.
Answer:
9h26
